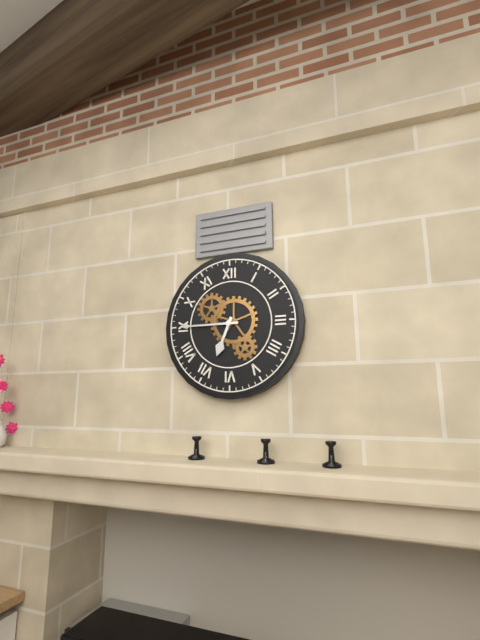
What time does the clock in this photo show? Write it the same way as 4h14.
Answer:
6h45
